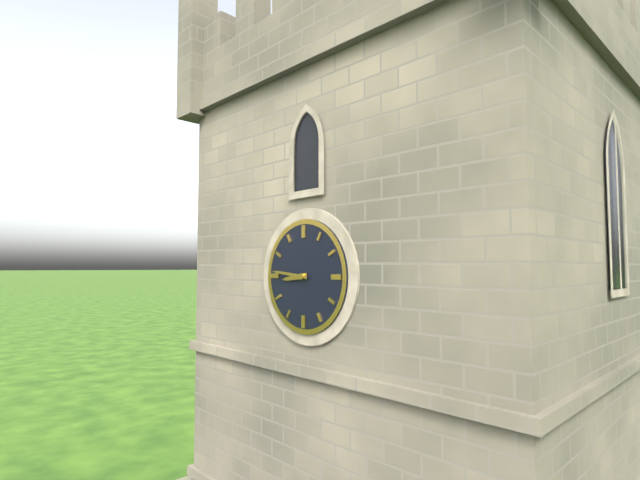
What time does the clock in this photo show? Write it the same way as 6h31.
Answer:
8h46
